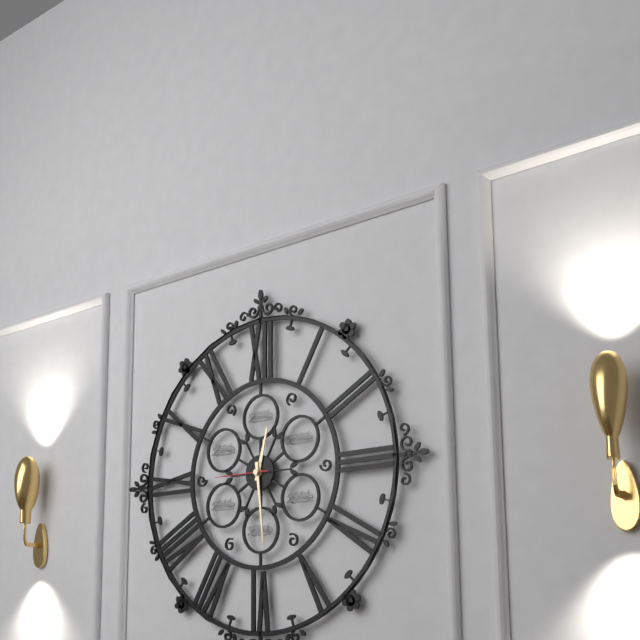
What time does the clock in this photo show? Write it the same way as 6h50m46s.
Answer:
12h29m45s
